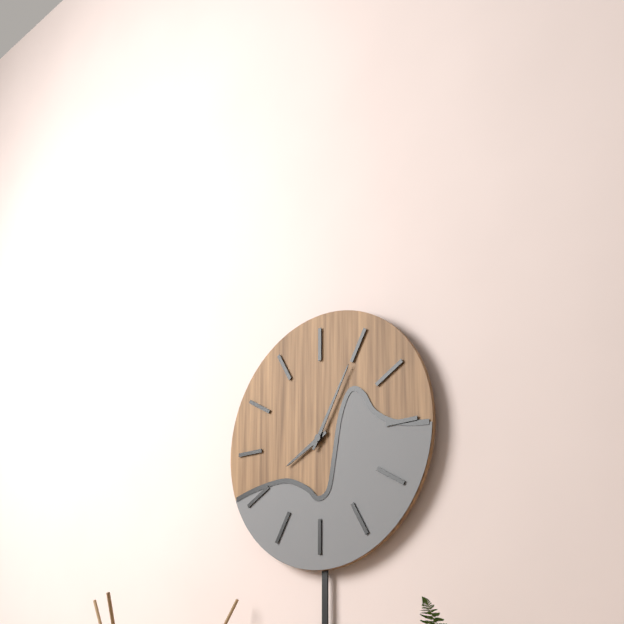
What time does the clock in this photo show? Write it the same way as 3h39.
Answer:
8h05
